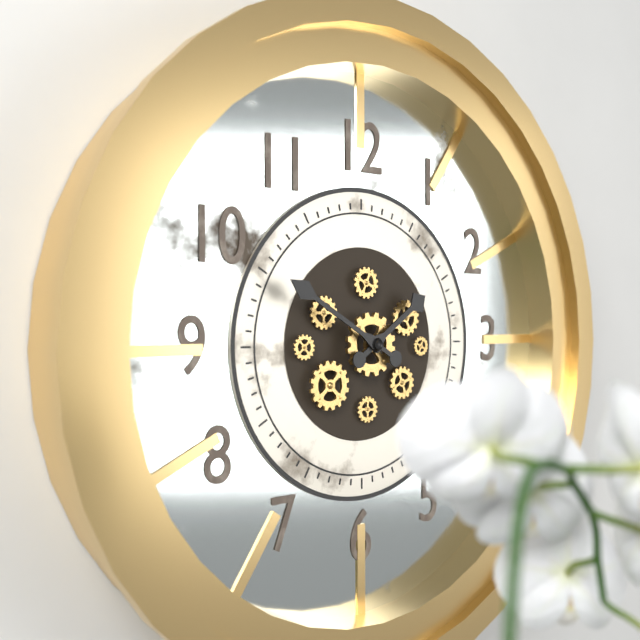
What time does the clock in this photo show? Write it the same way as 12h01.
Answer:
1h50
